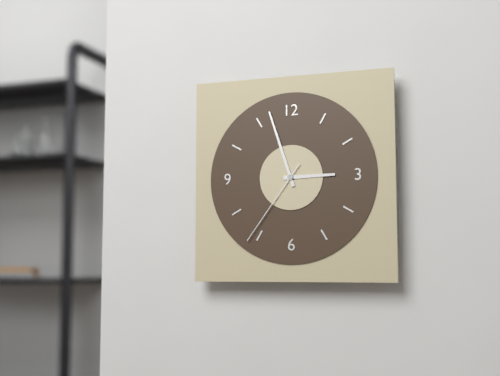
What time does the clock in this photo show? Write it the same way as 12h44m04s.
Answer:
2h57m36s
